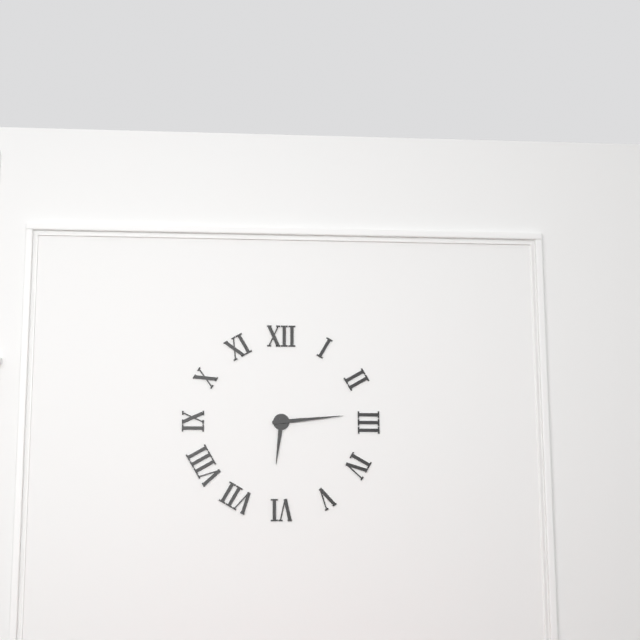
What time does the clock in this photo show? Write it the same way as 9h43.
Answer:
6h14
